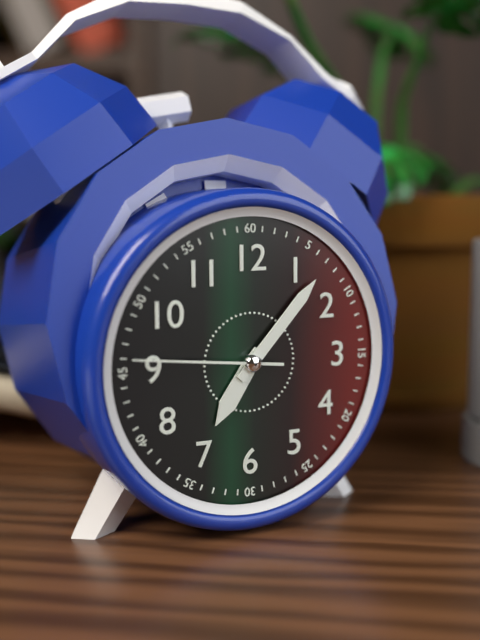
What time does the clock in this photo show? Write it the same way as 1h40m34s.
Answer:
7h07m46s
